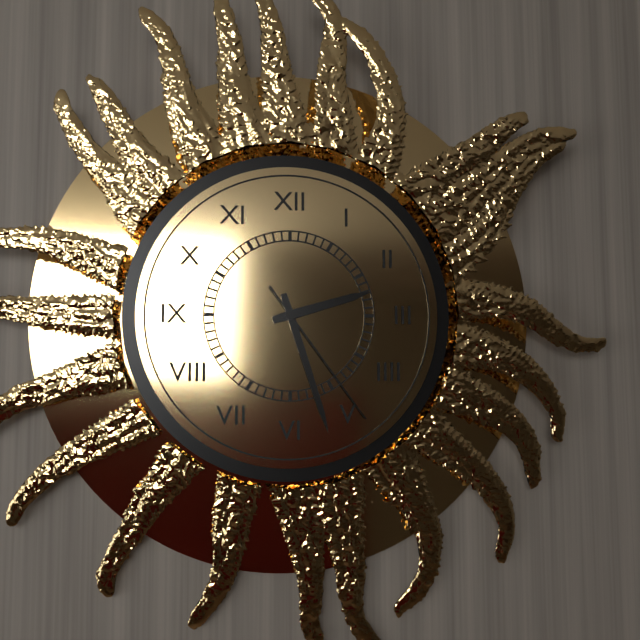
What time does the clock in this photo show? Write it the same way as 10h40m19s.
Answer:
2h27m24s
